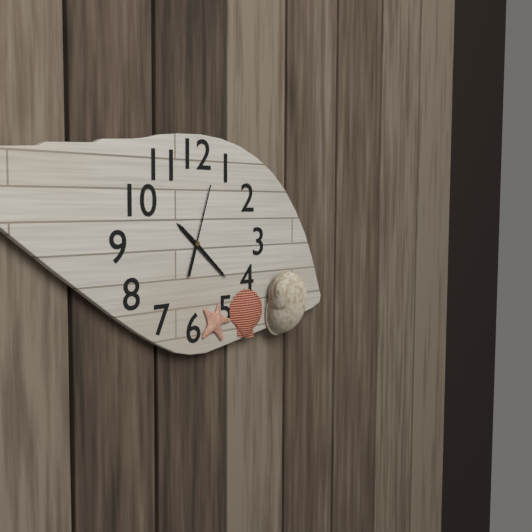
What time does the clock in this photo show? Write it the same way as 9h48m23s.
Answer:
10h22m03s
